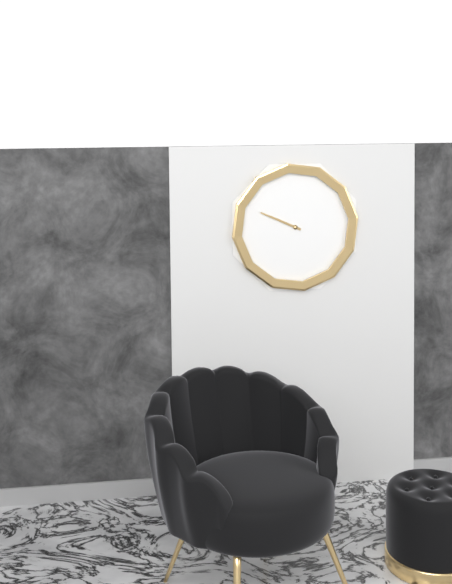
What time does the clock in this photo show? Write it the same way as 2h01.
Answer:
9h49
